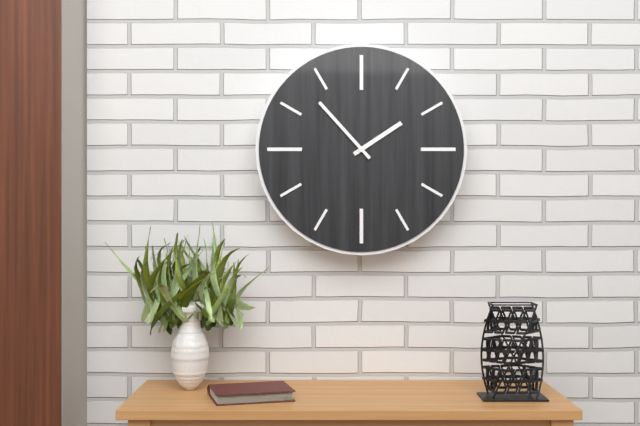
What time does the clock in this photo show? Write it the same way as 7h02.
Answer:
1h53
